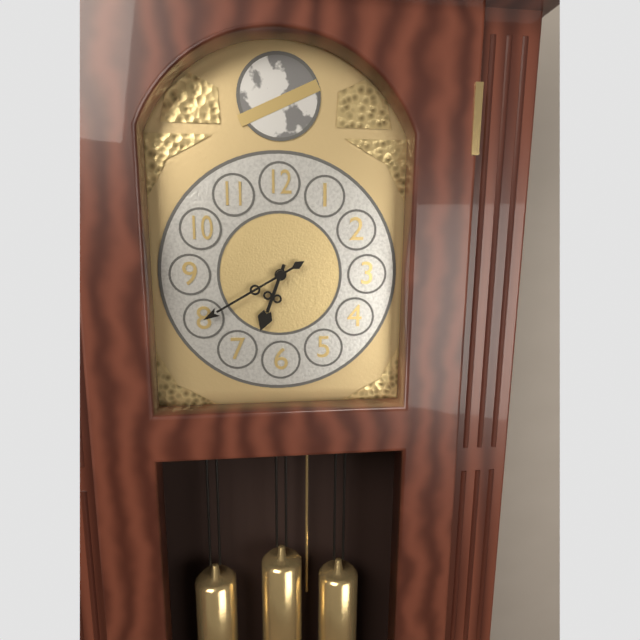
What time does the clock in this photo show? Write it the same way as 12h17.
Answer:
6h40
